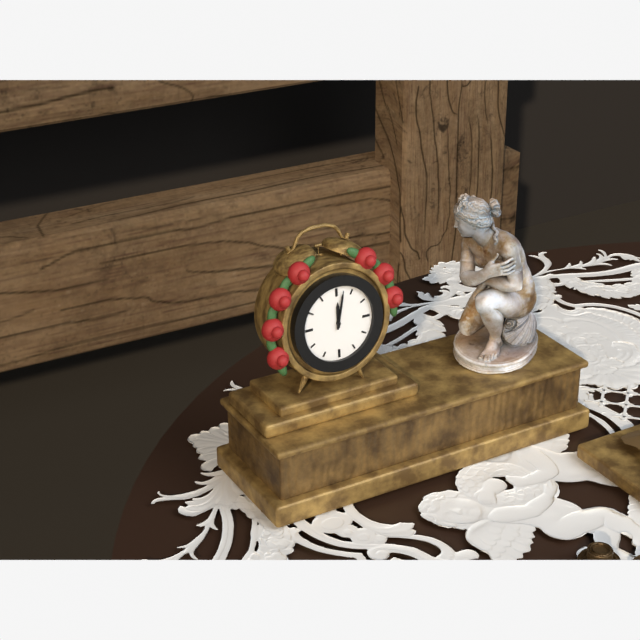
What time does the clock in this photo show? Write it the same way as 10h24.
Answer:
12h02
